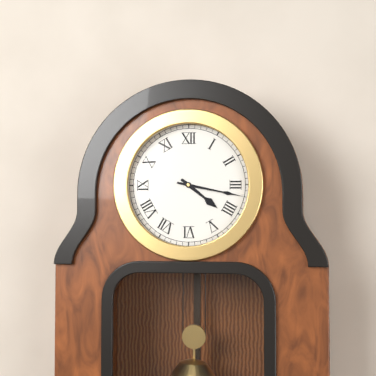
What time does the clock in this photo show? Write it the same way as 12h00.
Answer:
4h17
